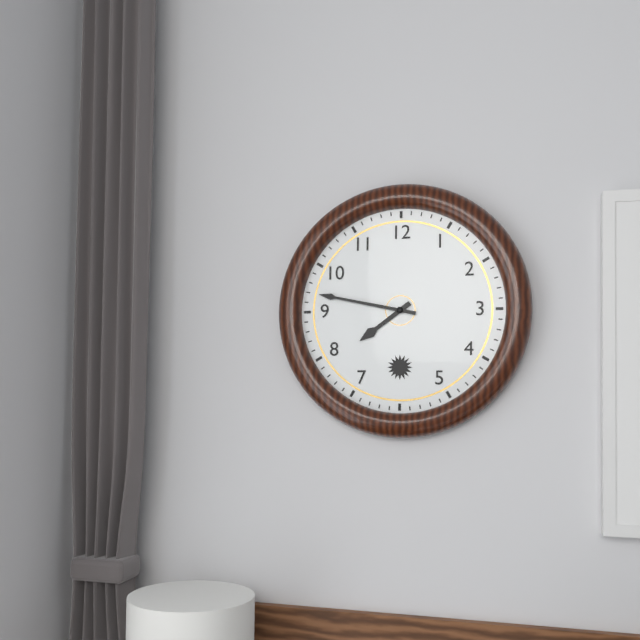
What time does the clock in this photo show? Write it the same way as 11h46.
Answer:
7h47
